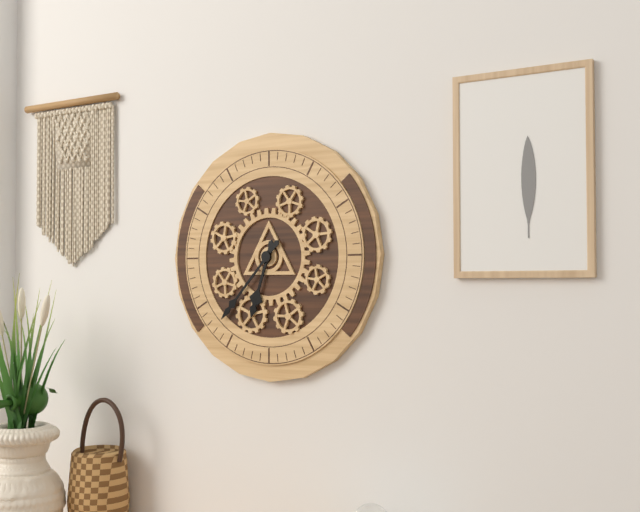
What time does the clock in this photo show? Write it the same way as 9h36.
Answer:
6h37
